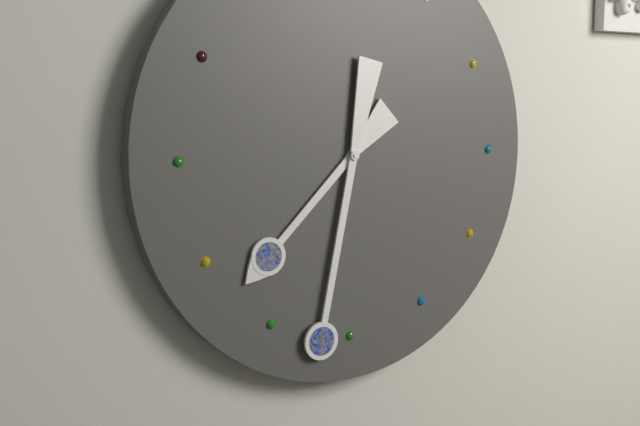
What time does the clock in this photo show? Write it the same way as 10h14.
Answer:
7h32
